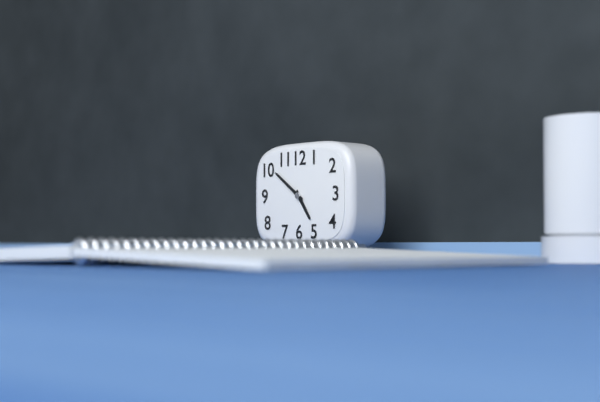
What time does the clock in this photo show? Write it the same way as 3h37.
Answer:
4h51
